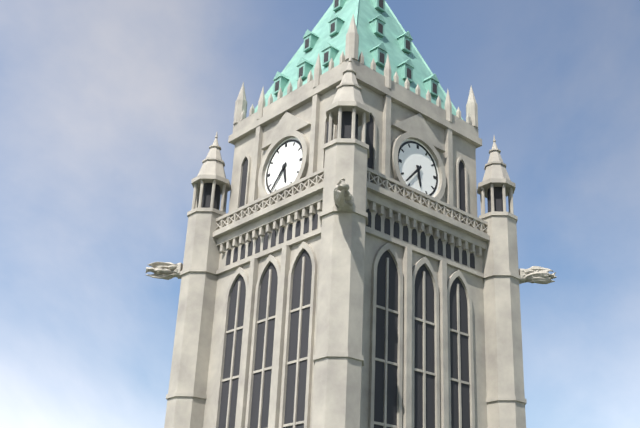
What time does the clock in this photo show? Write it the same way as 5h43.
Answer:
5h37
